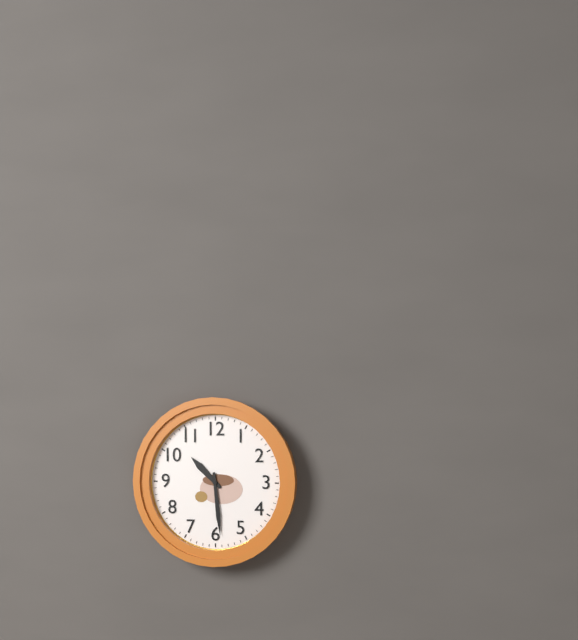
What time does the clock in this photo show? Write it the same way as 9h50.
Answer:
10h29
